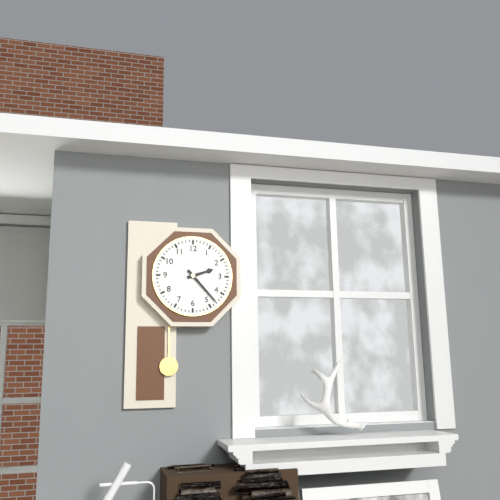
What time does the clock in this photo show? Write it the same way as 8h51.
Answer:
2h23
